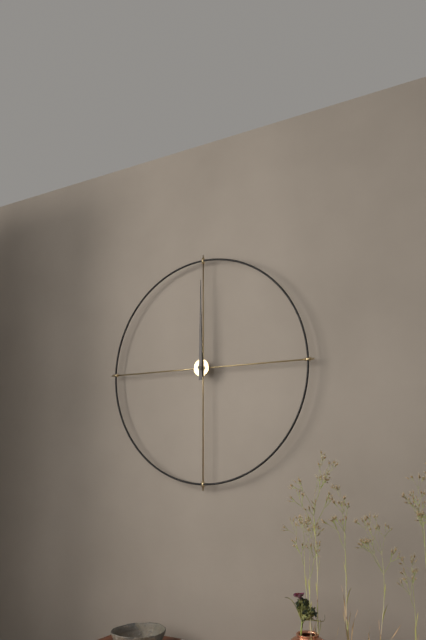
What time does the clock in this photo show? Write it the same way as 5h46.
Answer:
12h00
